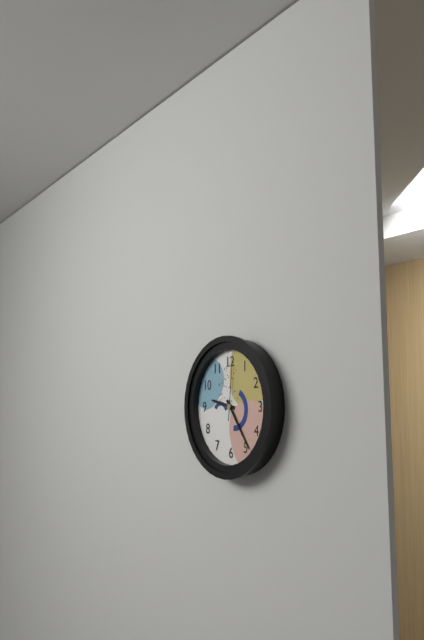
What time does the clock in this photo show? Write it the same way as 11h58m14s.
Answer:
9h24m01s
